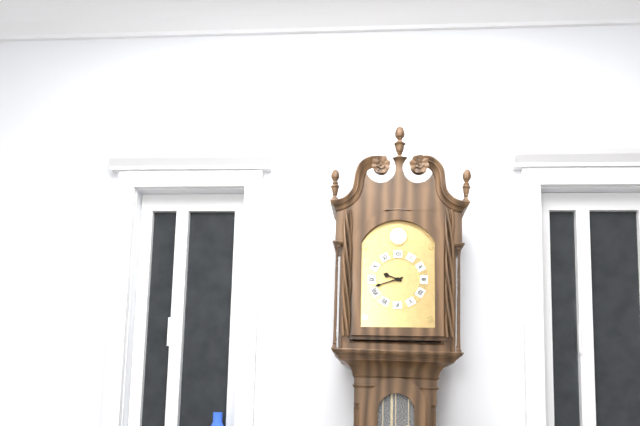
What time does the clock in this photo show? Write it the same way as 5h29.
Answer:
9h42
